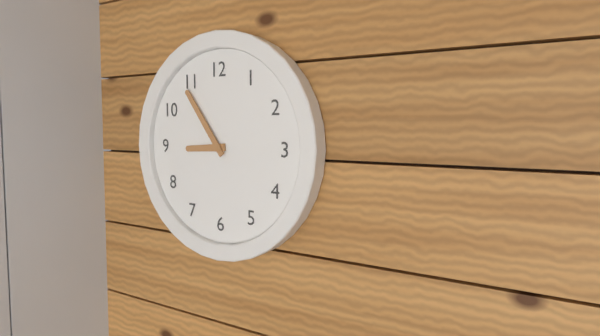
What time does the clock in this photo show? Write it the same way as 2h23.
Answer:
8h54
